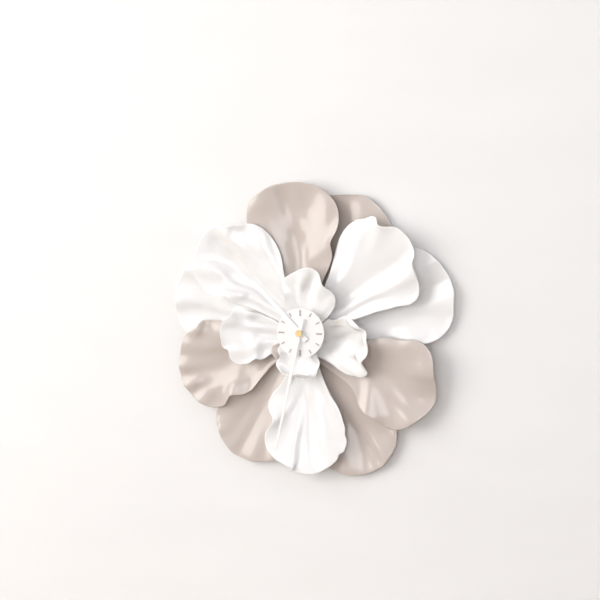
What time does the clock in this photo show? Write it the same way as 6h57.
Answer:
10h32
